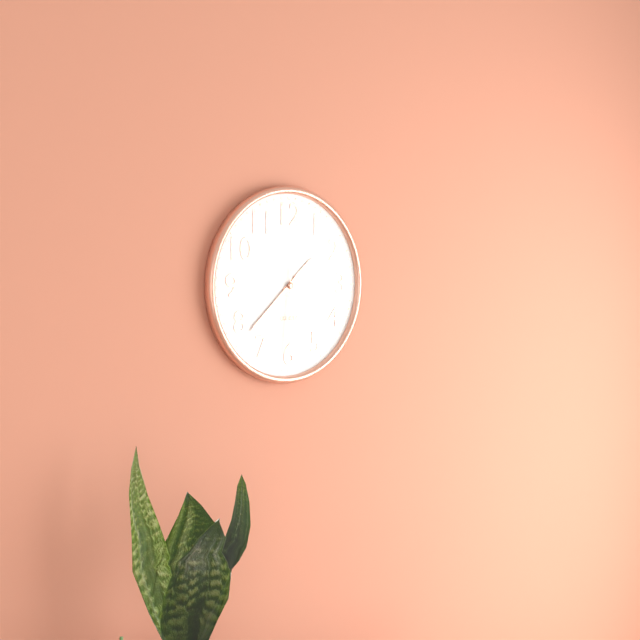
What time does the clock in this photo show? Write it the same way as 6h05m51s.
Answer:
1h38m31s
